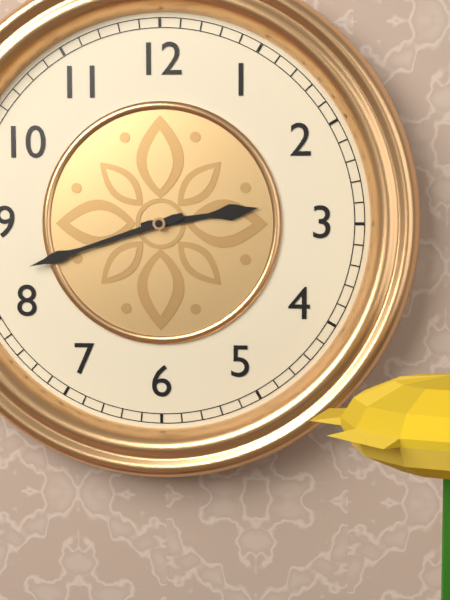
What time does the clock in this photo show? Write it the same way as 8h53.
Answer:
2h42
